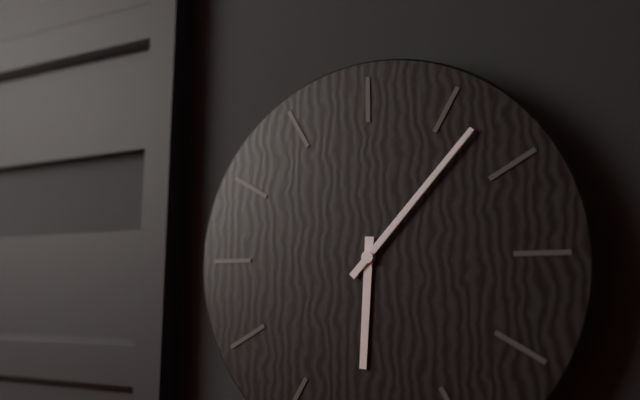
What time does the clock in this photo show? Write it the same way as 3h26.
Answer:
6h07
